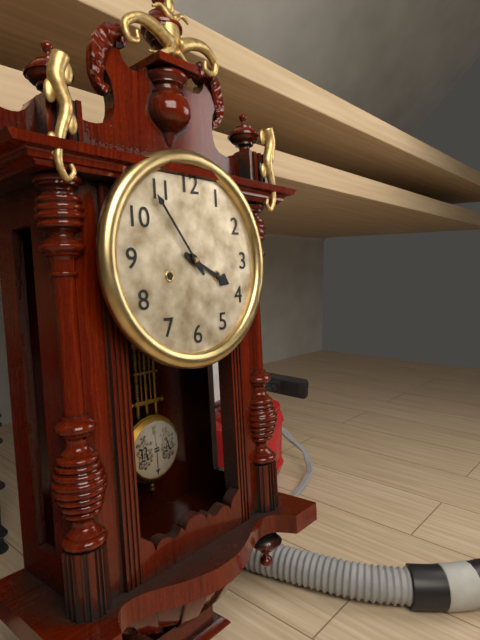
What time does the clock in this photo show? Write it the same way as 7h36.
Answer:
3h54
